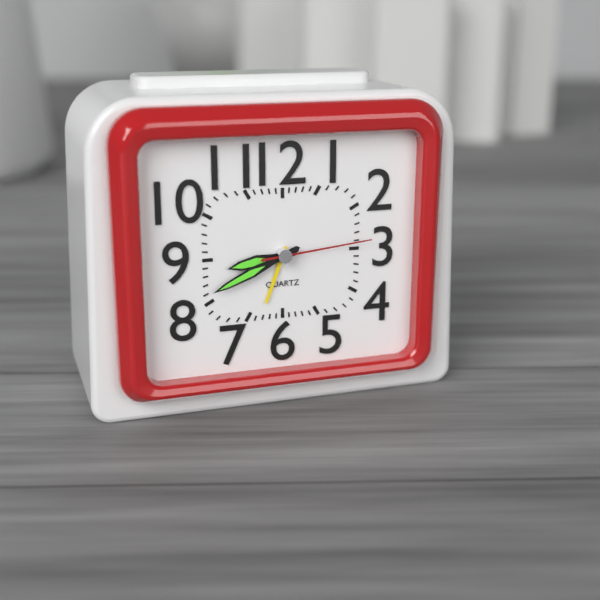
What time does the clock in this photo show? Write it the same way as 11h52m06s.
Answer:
8h41m14s
